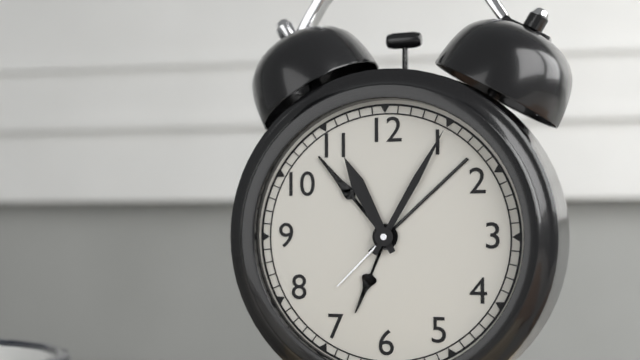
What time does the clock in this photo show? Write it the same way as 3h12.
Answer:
11h05
